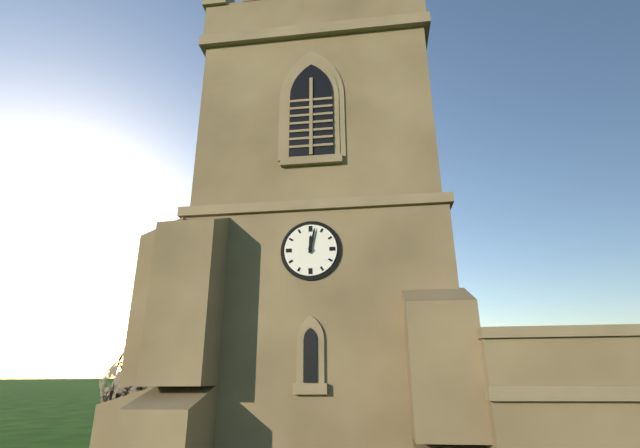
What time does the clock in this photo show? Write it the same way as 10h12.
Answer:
12h02
